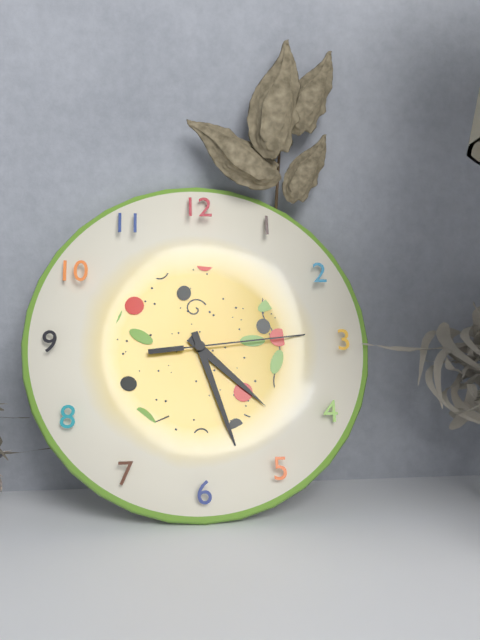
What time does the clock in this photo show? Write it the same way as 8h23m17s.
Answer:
4h27m14s
